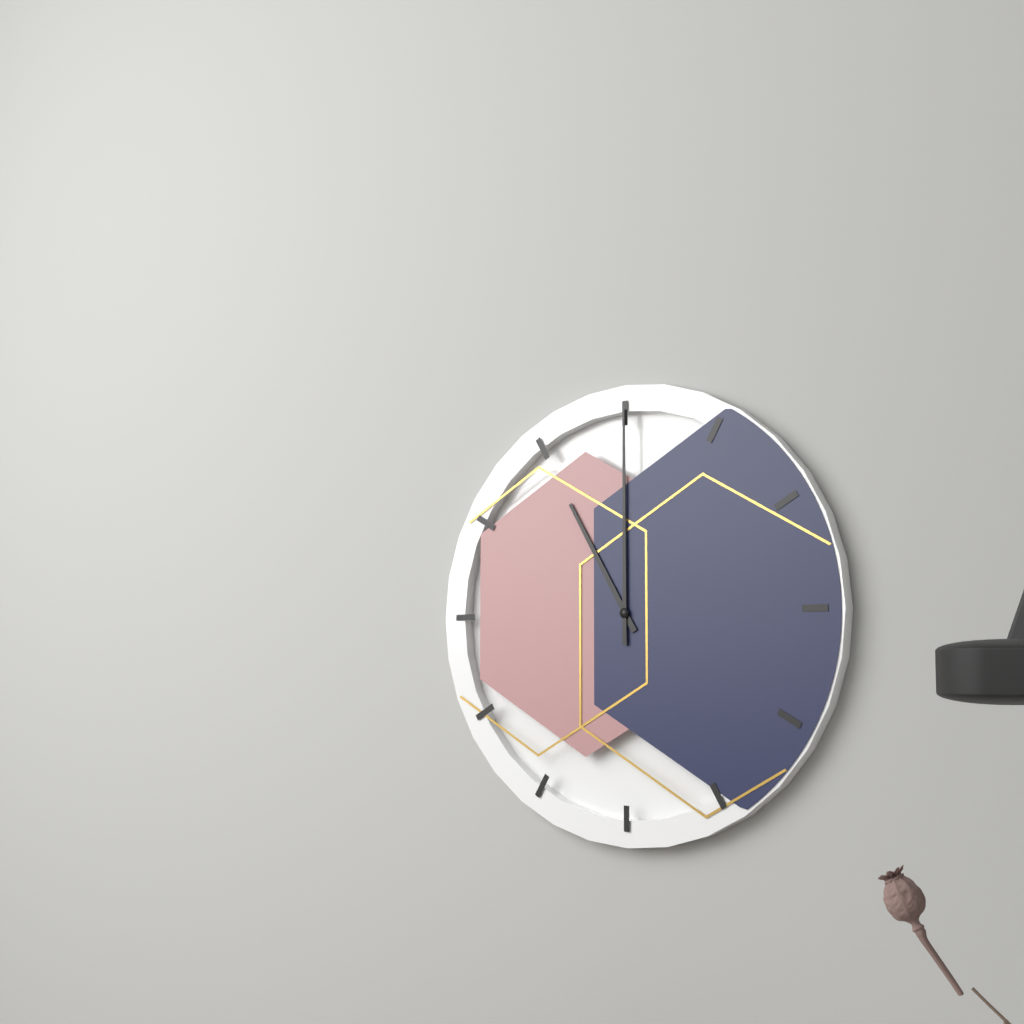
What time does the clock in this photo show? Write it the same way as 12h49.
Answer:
11h00
